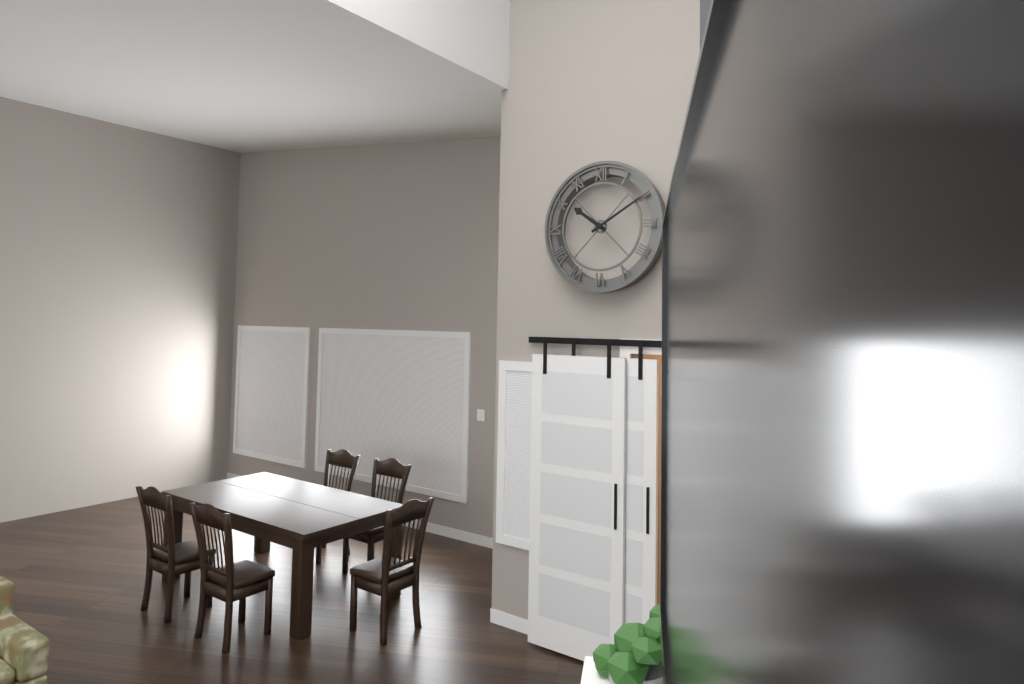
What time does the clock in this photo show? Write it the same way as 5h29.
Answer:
10h10
